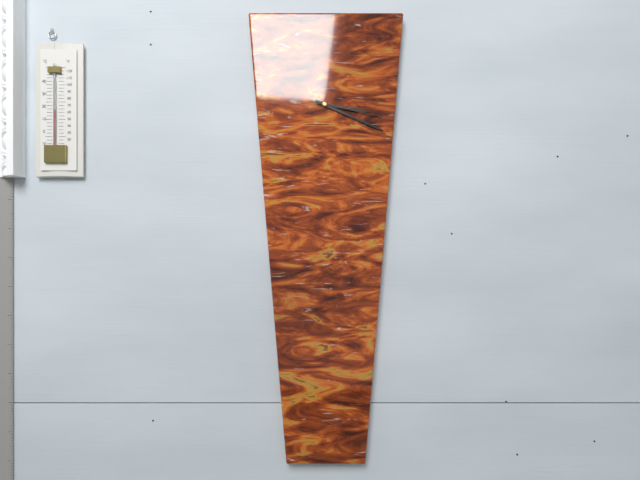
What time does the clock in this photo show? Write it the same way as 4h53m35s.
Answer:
3h19m17s
